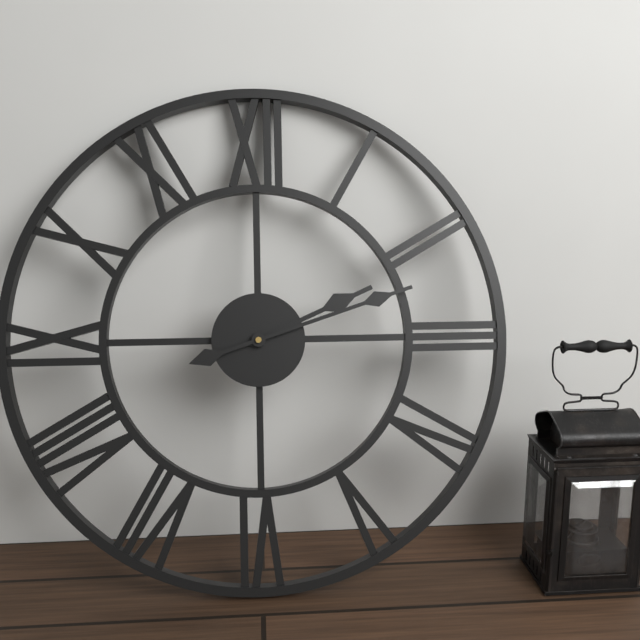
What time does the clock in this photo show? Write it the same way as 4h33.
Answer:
2h12
